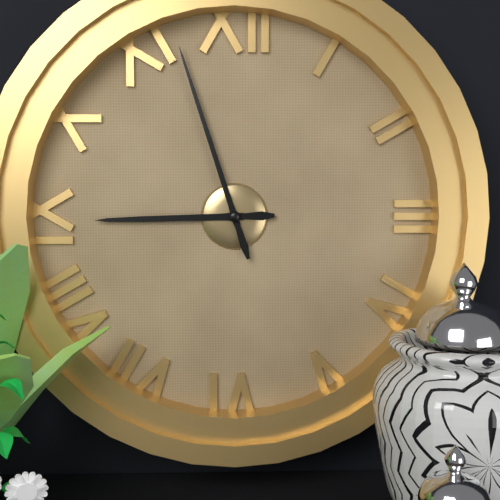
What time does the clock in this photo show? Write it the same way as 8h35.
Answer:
8h57
